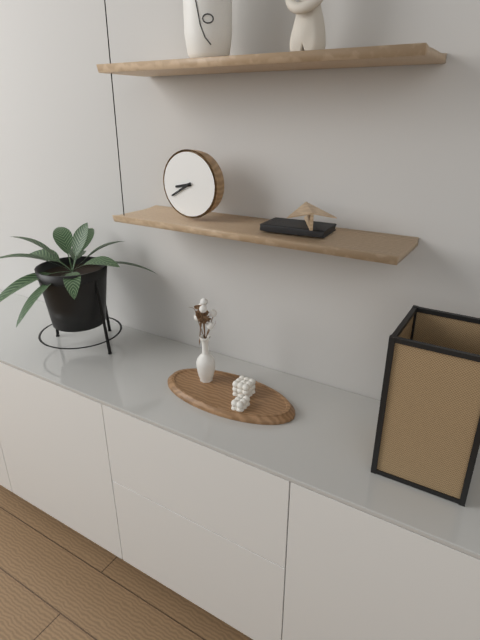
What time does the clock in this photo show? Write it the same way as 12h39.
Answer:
8h40
